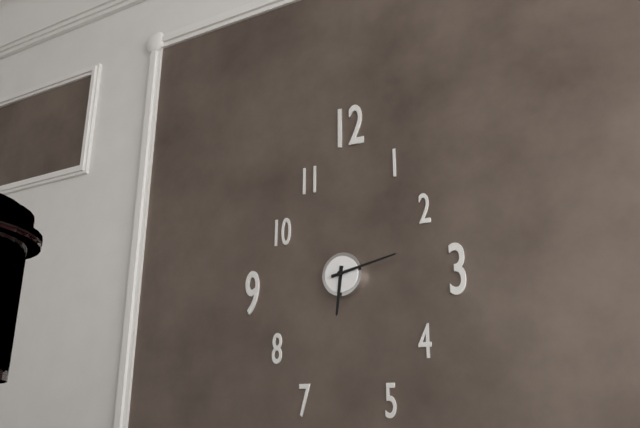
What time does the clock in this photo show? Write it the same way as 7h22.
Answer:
6h13
